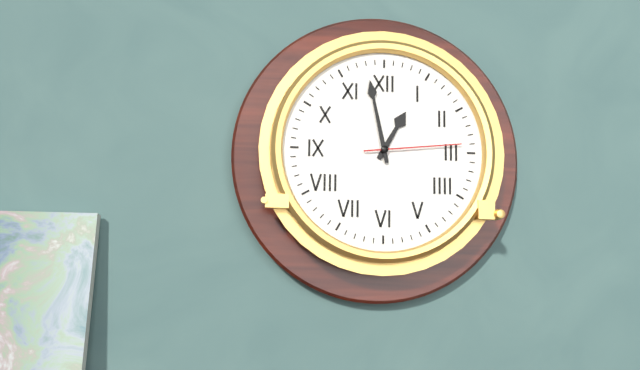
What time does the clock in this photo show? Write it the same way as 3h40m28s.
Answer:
12h58m14s
